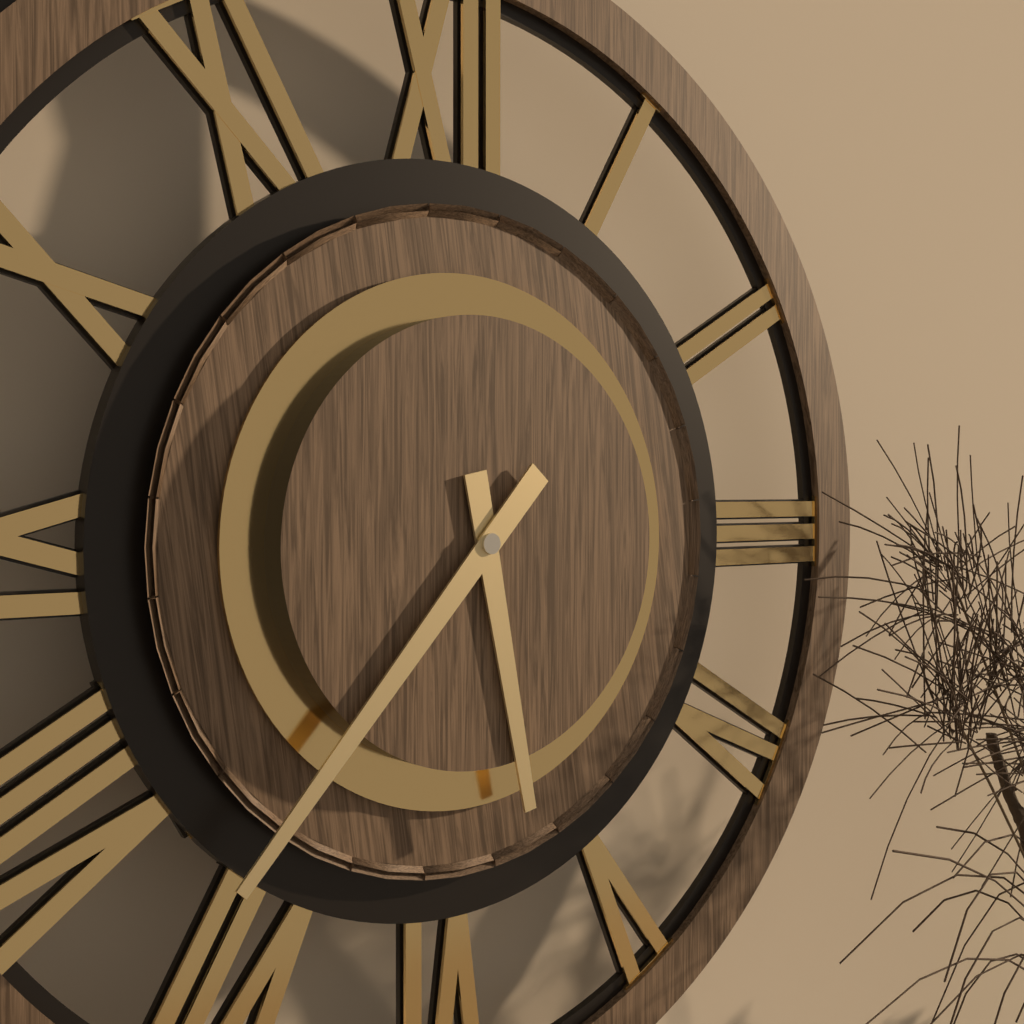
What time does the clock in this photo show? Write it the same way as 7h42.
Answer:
5h37
